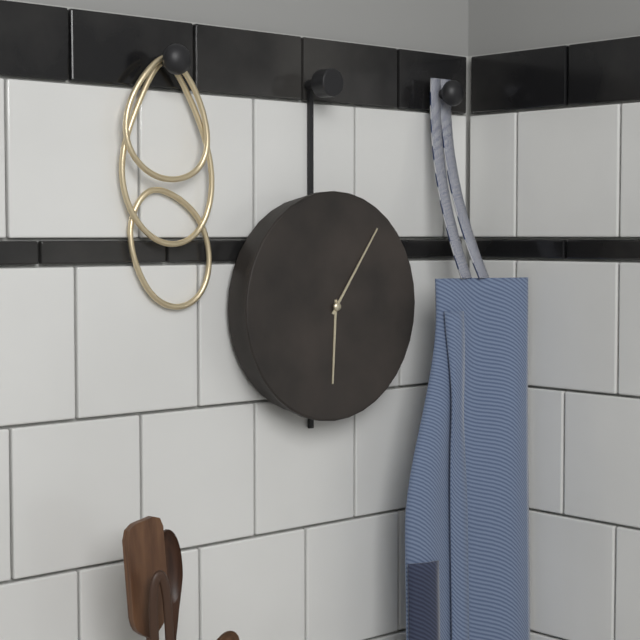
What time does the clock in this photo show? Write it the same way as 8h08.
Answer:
6h06
